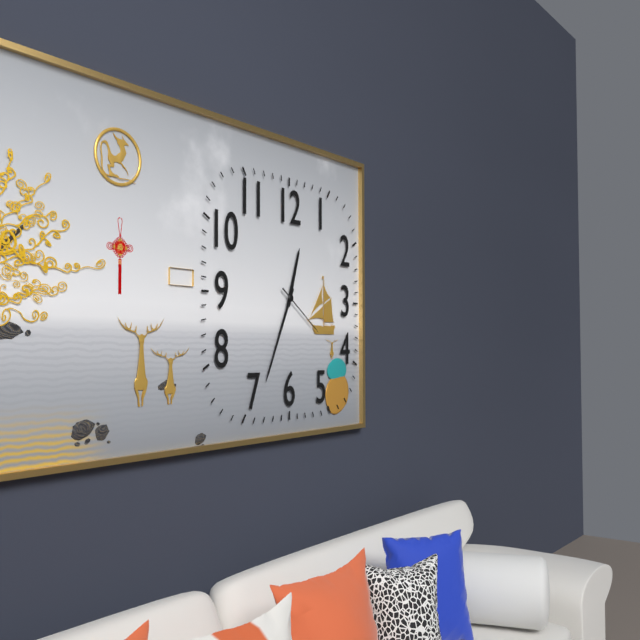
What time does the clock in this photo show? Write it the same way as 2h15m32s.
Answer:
12h34m21s
